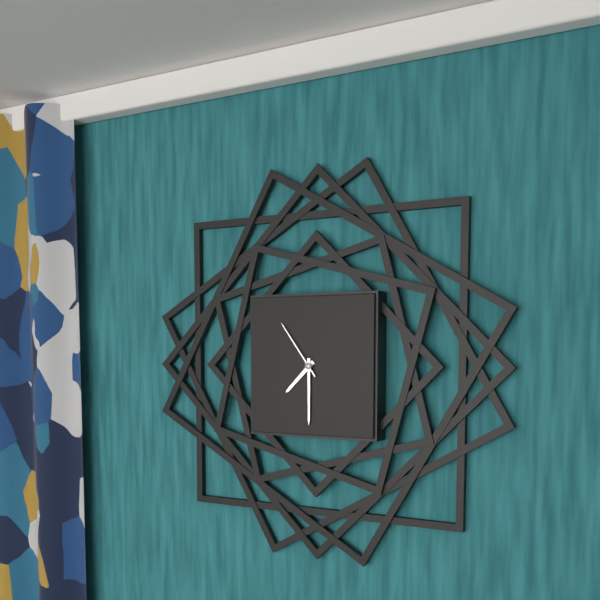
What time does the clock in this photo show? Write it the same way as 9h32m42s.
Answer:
7h30m54s
